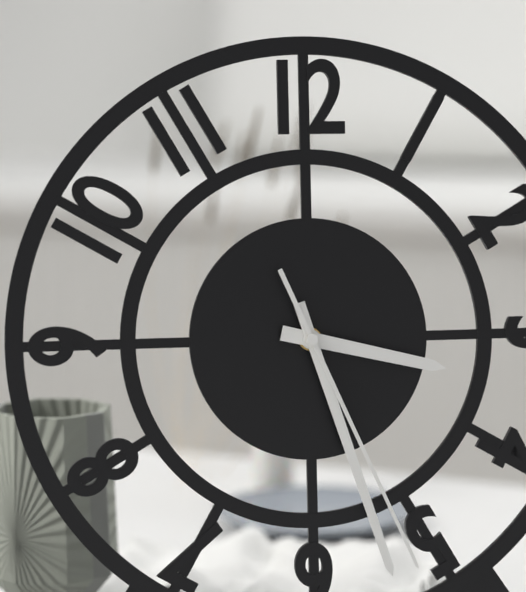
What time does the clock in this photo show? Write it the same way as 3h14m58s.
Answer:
3h27m26s
